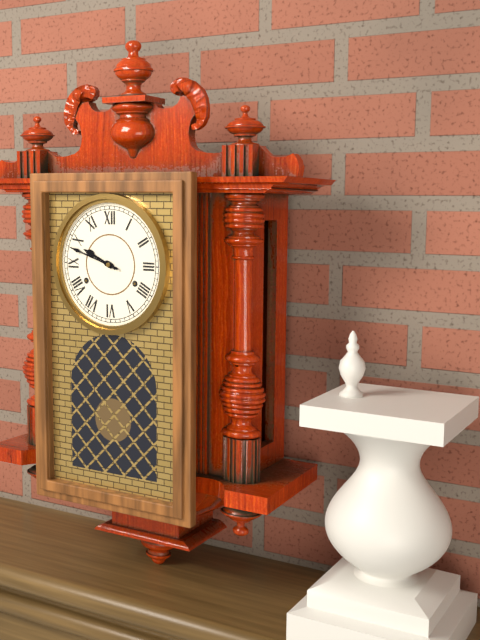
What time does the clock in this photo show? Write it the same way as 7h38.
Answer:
9h48
